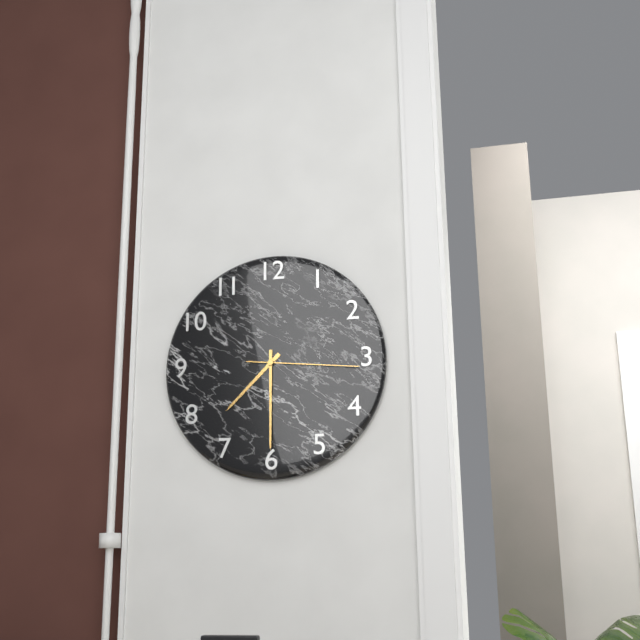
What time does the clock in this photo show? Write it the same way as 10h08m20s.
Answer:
7h30m16s
